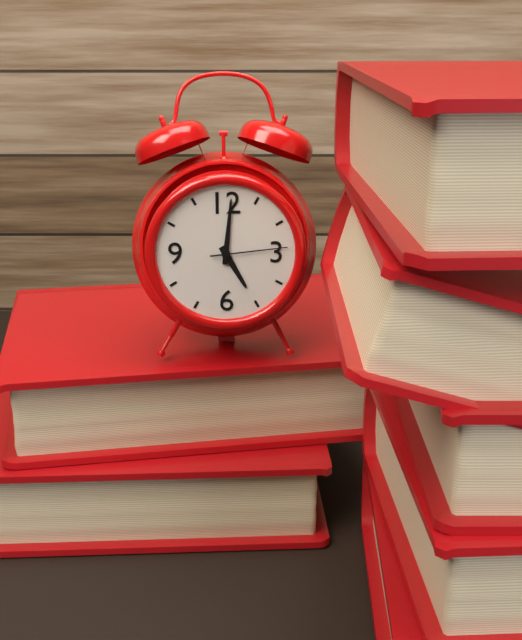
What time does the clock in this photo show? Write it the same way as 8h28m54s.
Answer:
5h01m14s
